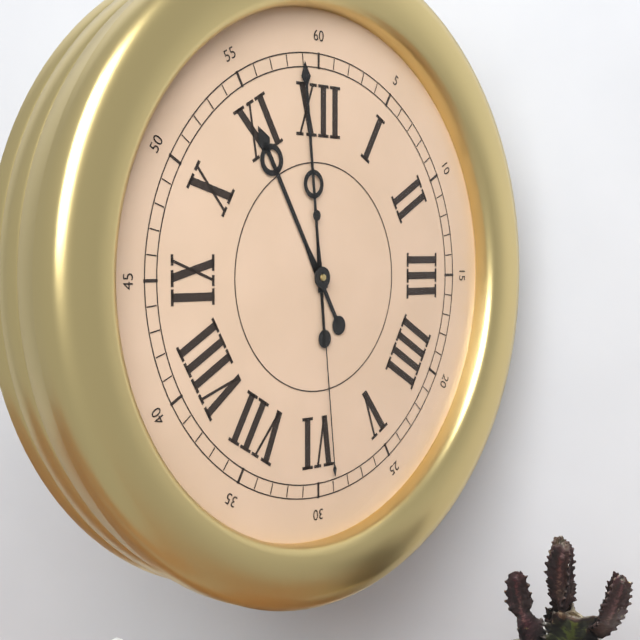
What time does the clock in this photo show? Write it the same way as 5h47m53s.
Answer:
10h59m29s
